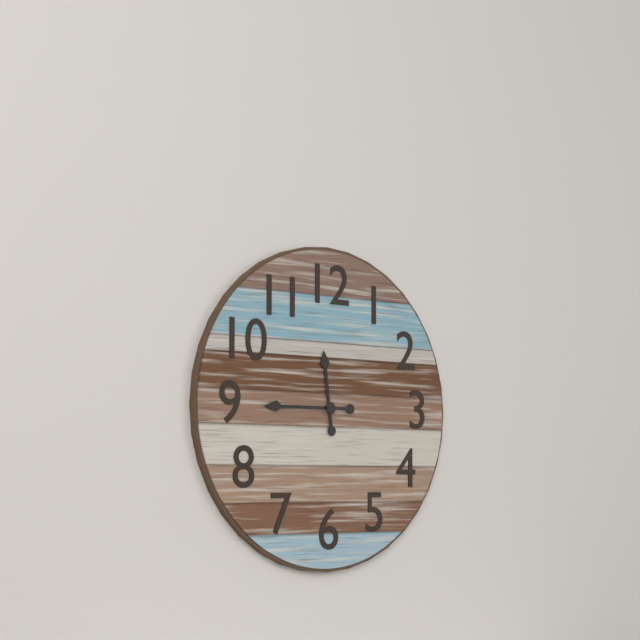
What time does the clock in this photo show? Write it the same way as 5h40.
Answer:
11h45
